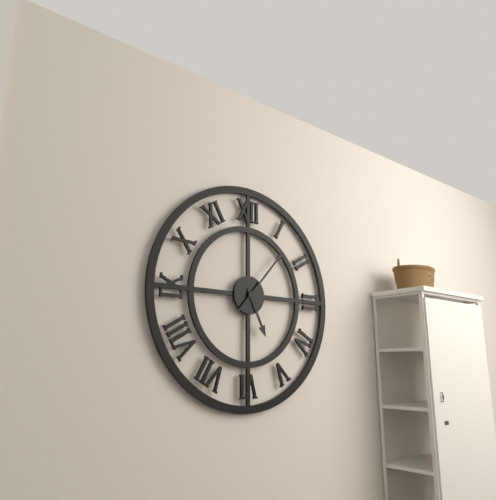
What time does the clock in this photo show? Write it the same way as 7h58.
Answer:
5h07
